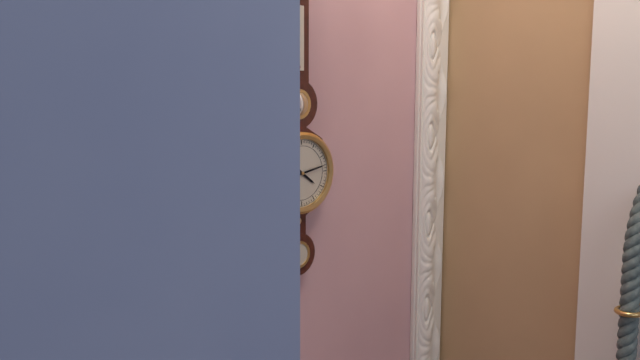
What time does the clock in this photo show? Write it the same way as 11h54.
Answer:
4h13
